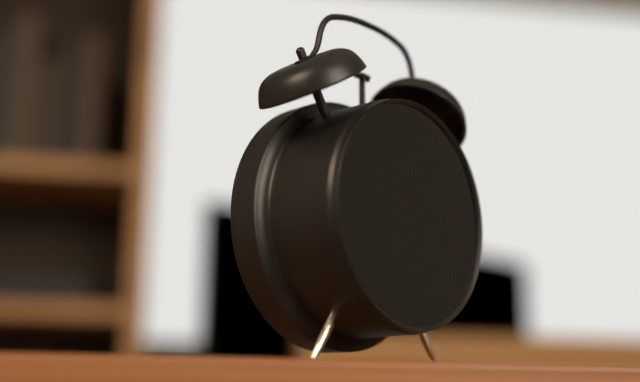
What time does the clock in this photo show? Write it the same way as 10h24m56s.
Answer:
11h21m55s
